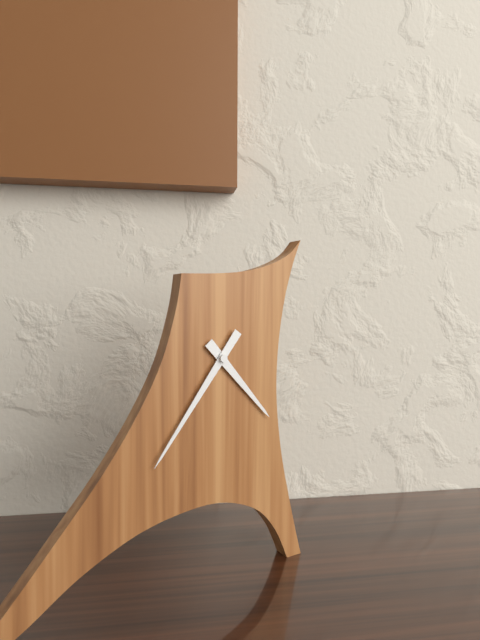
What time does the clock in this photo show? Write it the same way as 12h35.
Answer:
4h36
